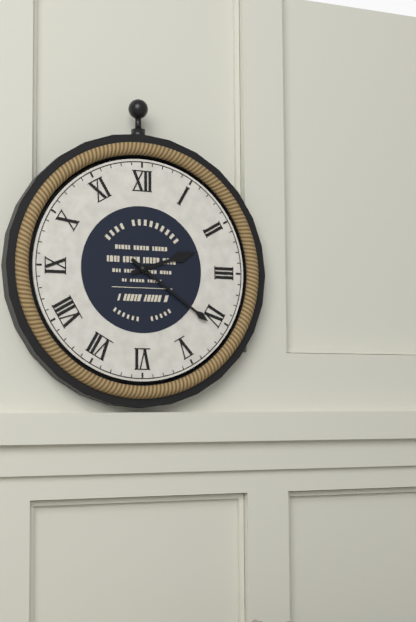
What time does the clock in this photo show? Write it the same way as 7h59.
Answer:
2h21
